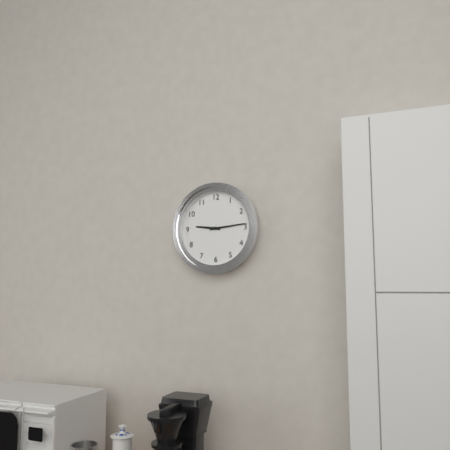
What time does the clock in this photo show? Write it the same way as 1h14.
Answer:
9h14
